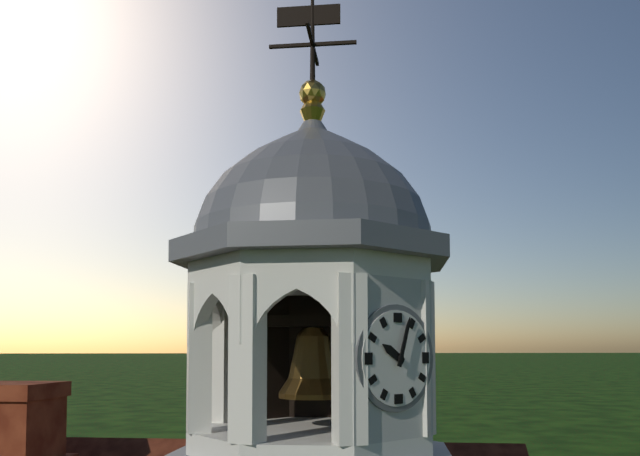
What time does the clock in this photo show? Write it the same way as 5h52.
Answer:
10h03
